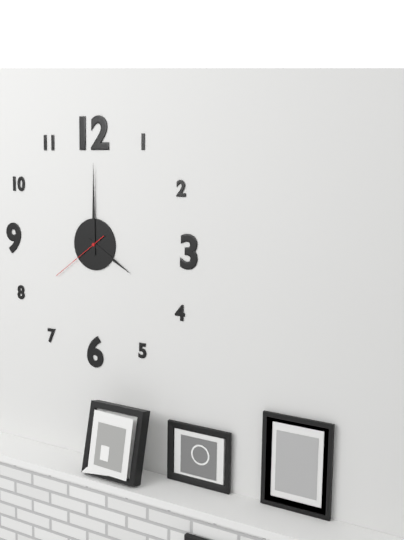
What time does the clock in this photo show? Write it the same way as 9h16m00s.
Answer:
4h00m39s
